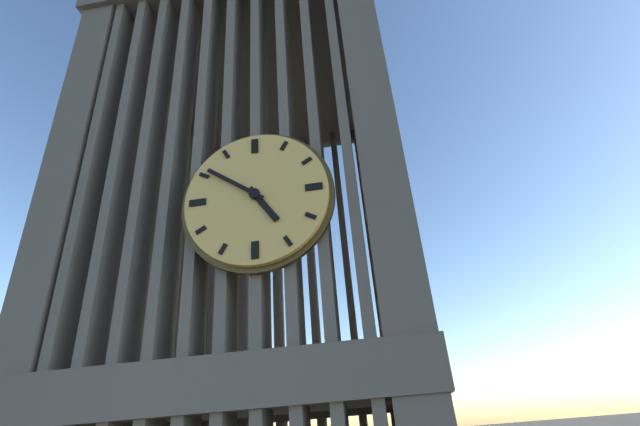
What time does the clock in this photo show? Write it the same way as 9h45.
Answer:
4h51
